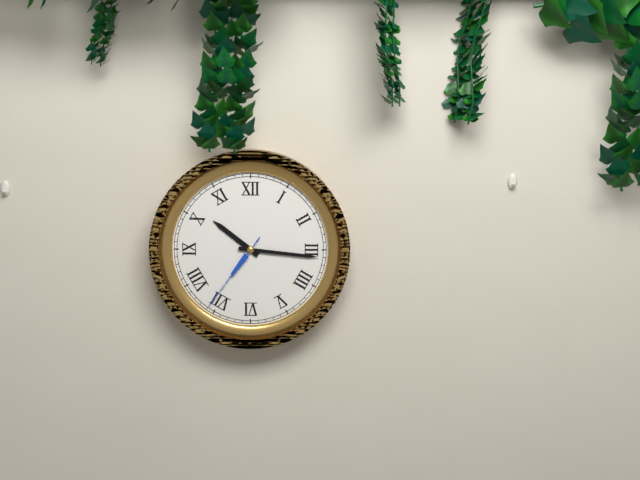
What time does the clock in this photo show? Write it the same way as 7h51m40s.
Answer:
10h16m36s
